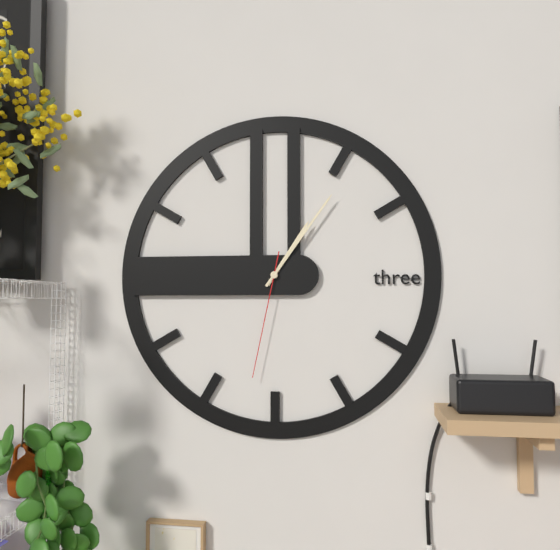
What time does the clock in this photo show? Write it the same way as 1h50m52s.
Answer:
1h06m32s
